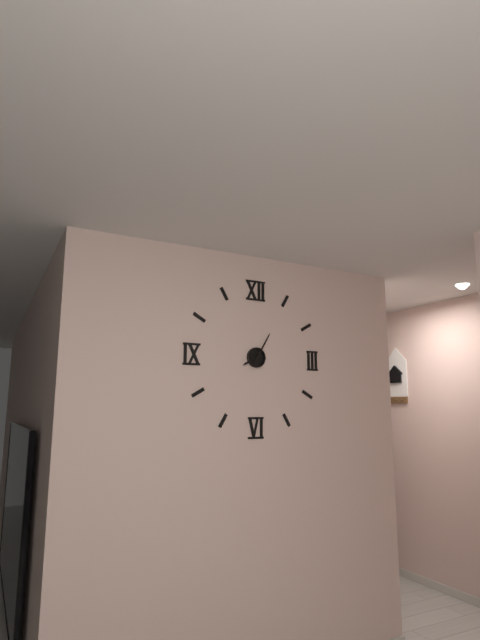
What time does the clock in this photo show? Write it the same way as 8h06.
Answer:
8h05
